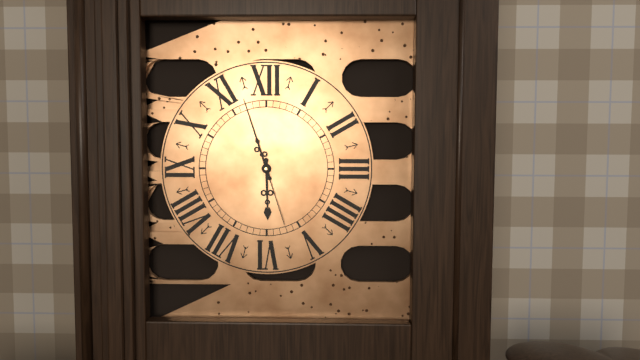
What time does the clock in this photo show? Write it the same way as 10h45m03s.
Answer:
5h57m27s
